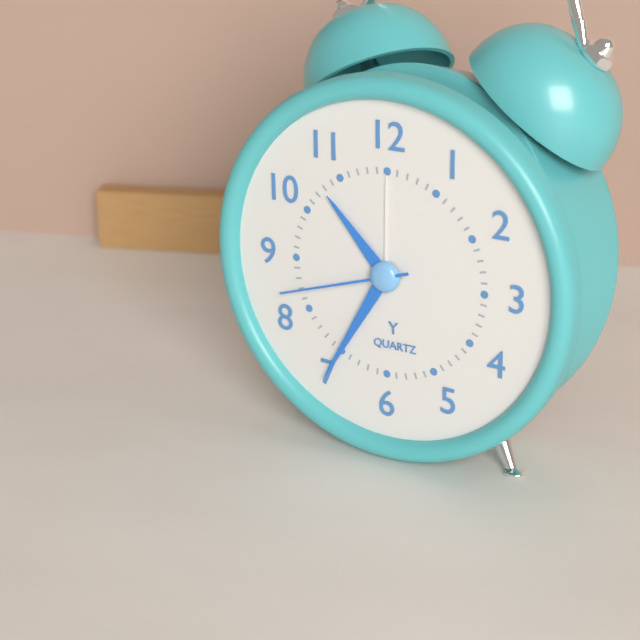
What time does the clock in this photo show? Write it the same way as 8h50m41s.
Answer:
10h35m42s
